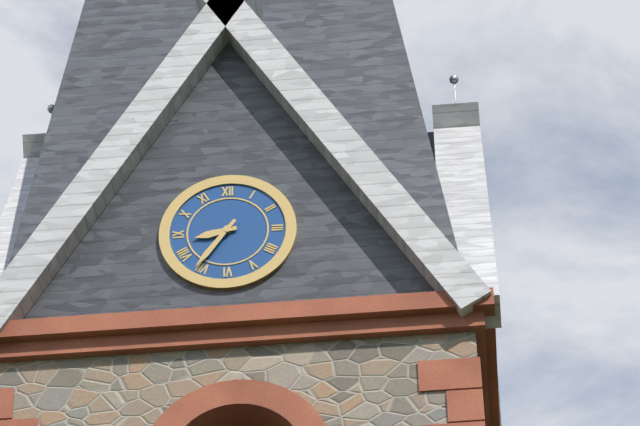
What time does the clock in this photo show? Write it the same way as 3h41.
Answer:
8h36
